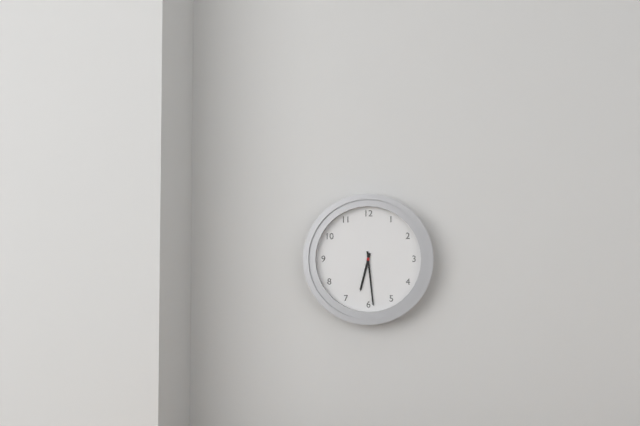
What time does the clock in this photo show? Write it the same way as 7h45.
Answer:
6h29
